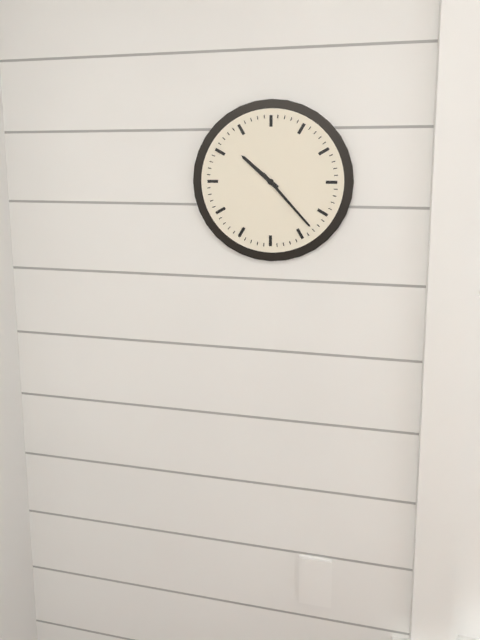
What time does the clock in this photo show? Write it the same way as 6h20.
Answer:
10h23
